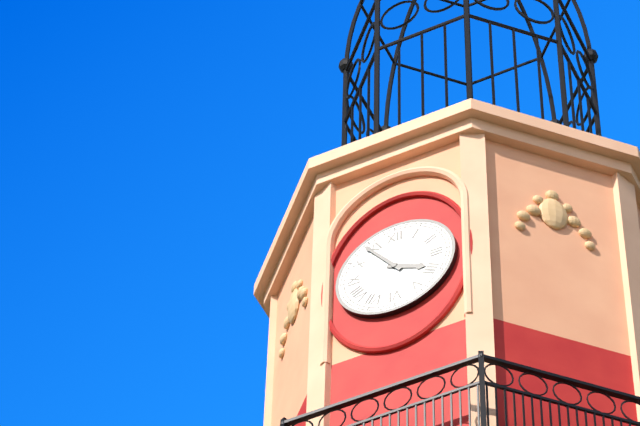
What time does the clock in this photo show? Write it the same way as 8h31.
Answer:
3h54
